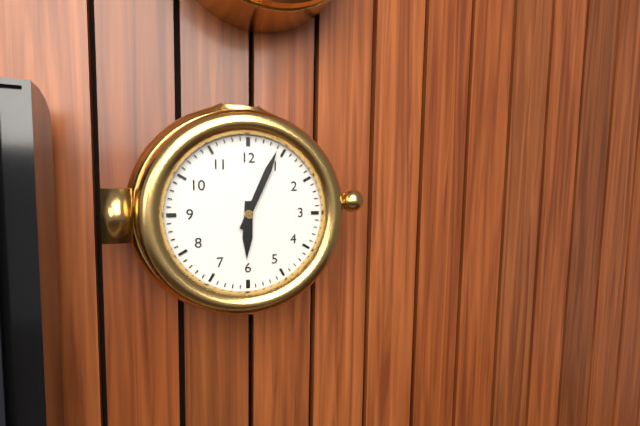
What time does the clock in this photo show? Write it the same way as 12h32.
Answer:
6h04
